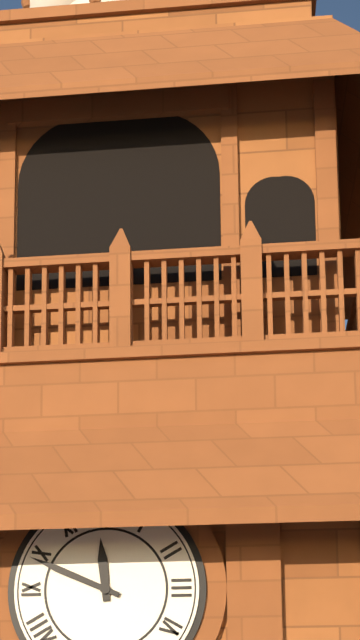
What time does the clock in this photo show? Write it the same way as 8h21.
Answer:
11h49
